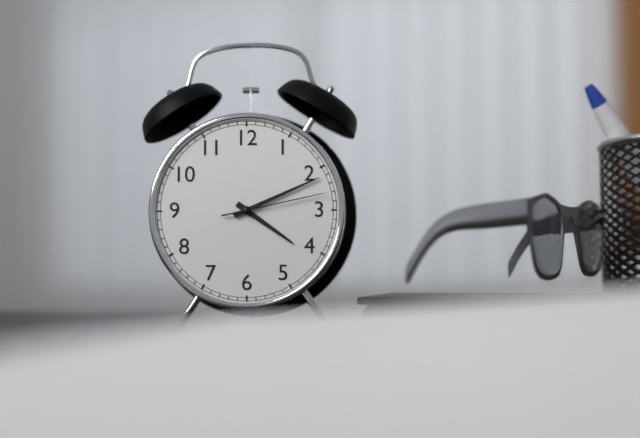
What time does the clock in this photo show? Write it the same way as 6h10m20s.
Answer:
4h11m13s
